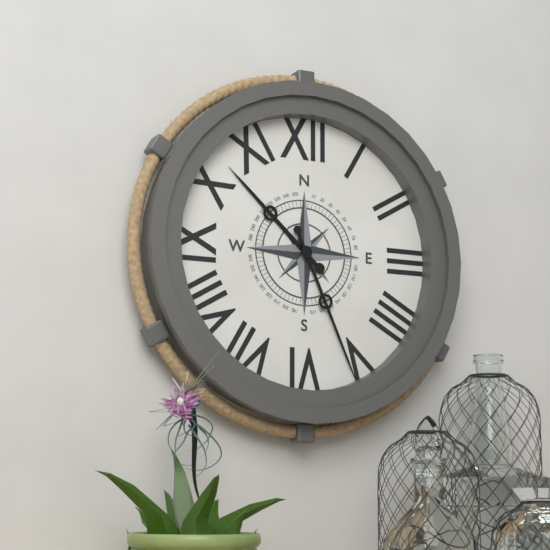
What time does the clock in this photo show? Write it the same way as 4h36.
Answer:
10h26
